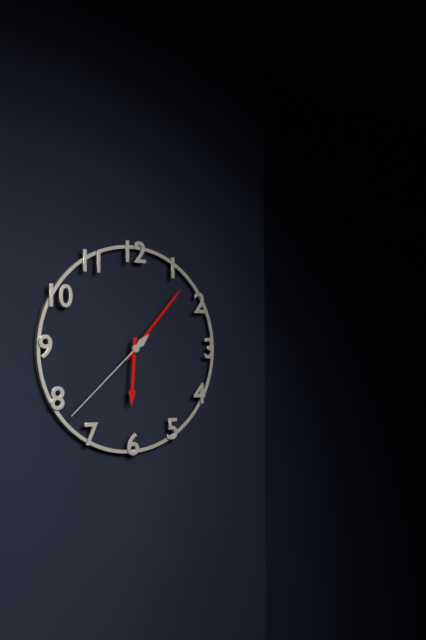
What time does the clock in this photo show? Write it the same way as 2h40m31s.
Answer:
6h07m38s
